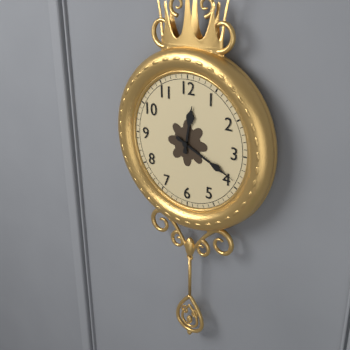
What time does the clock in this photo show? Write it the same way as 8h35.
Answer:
12h19
